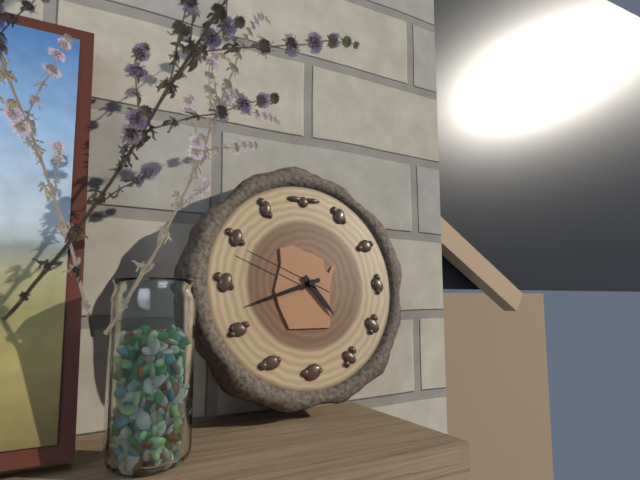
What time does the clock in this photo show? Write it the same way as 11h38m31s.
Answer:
4h42m49s
